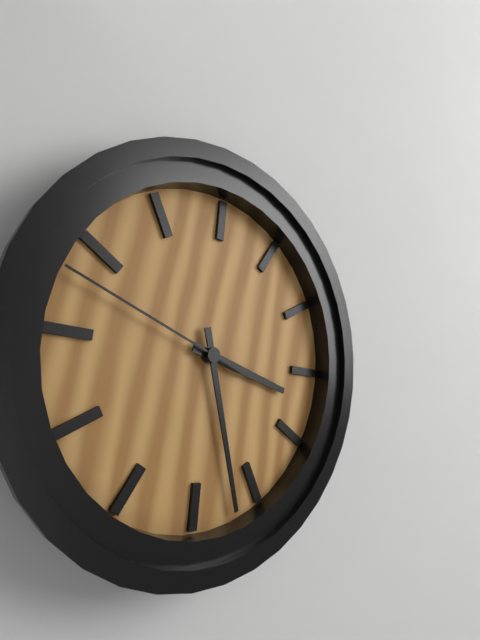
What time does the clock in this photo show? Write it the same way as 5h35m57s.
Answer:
3h27m48s
